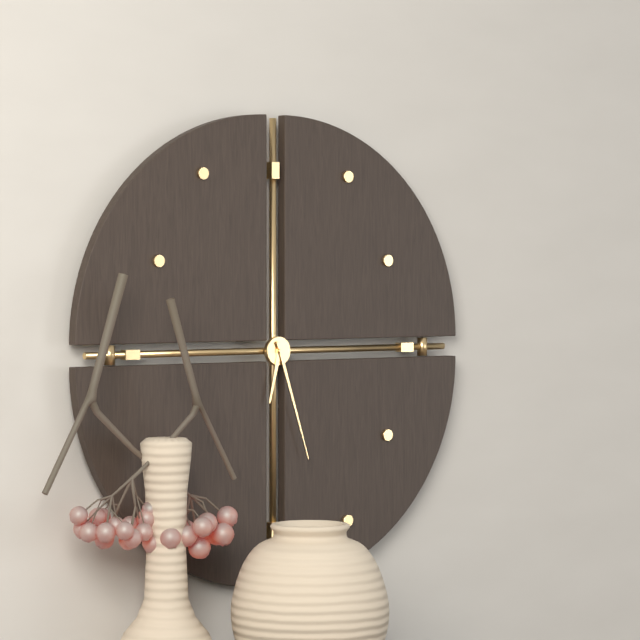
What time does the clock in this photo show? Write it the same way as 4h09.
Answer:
6h27
